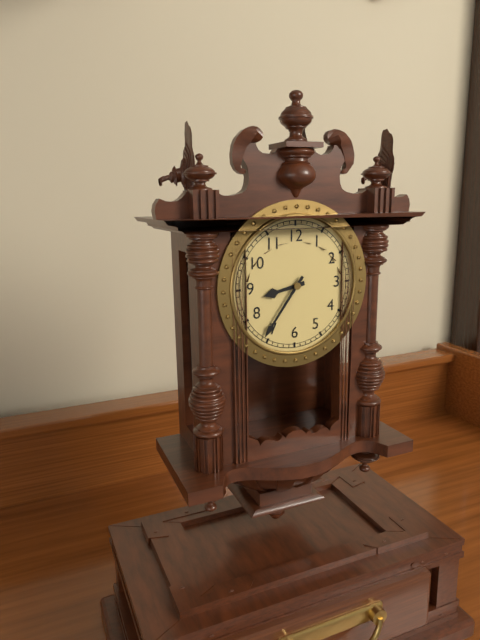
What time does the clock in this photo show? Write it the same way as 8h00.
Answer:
8h36
